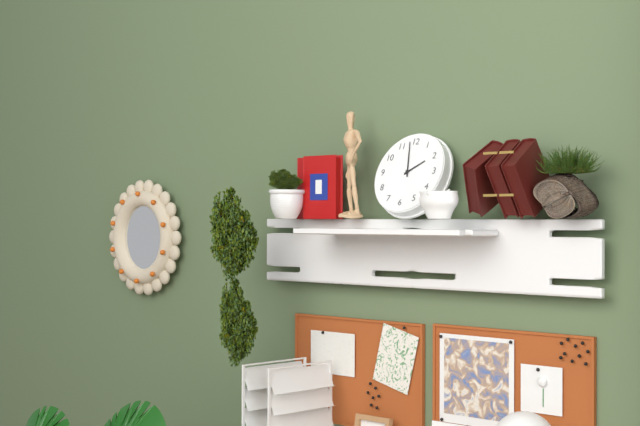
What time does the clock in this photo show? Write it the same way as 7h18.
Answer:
1h58
